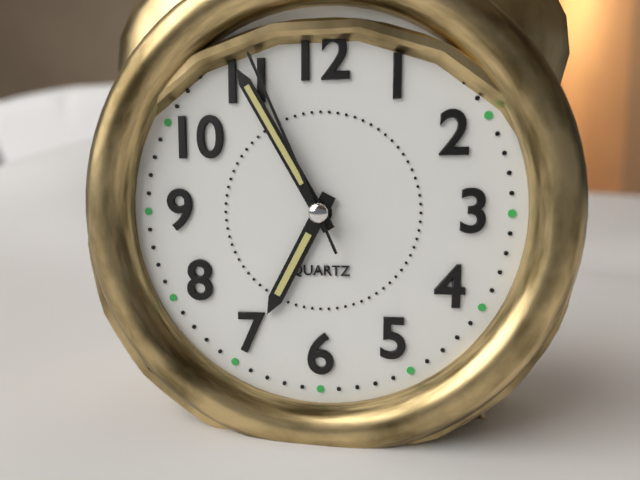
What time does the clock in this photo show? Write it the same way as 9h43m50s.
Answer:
6h55m56s
